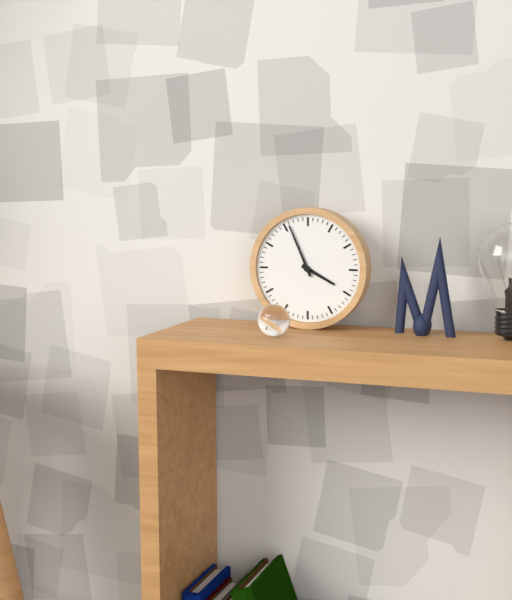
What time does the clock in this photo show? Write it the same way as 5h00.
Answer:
3h56
